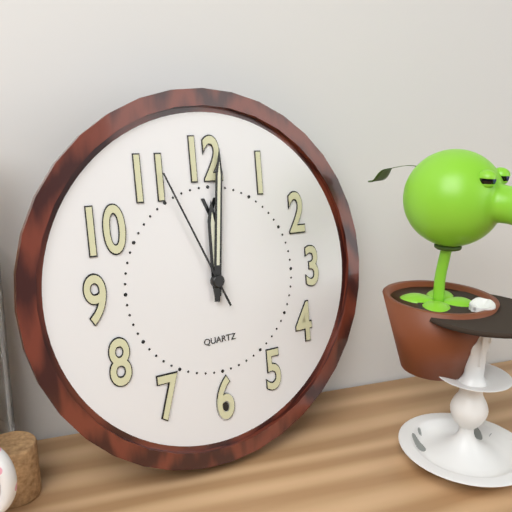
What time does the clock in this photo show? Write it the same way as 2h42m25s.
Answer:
12h01m56s
